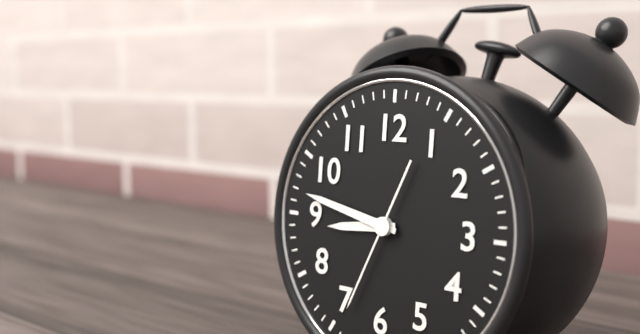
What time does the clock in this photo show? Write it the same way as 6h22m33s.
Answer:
8h47m34s
